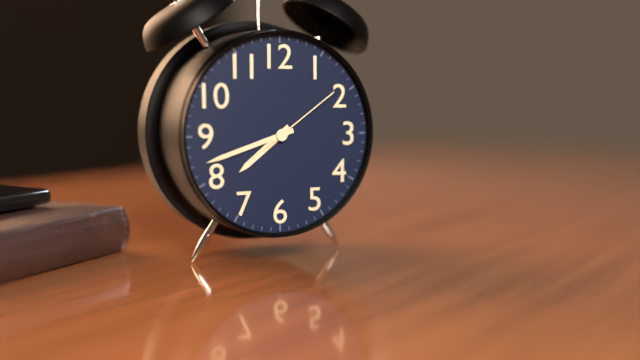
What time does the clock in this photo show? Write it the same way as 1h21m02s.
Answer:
7h42m09s
